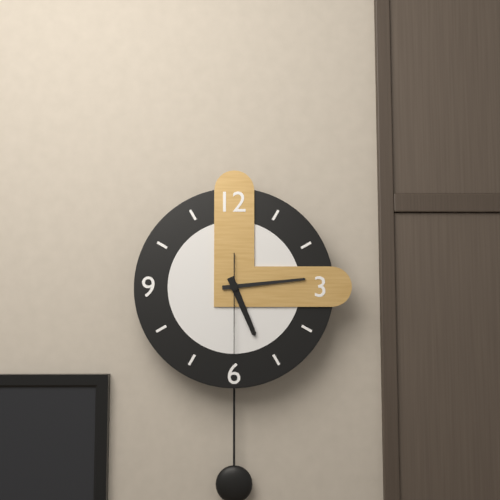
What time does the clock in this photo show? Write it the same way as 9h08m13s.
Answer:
5h14m30s
